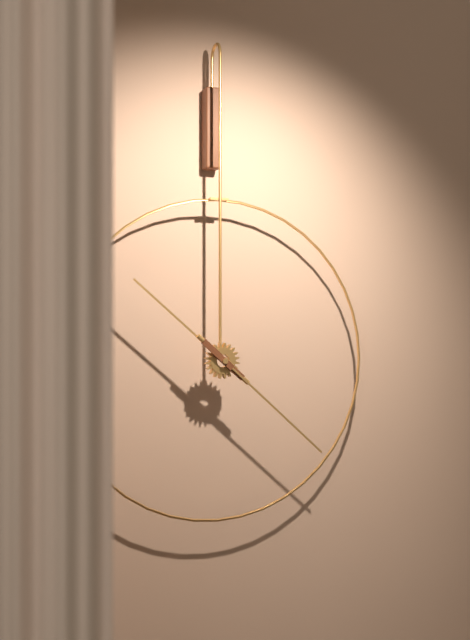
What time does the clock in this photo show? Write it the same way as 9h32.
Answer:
10h22
